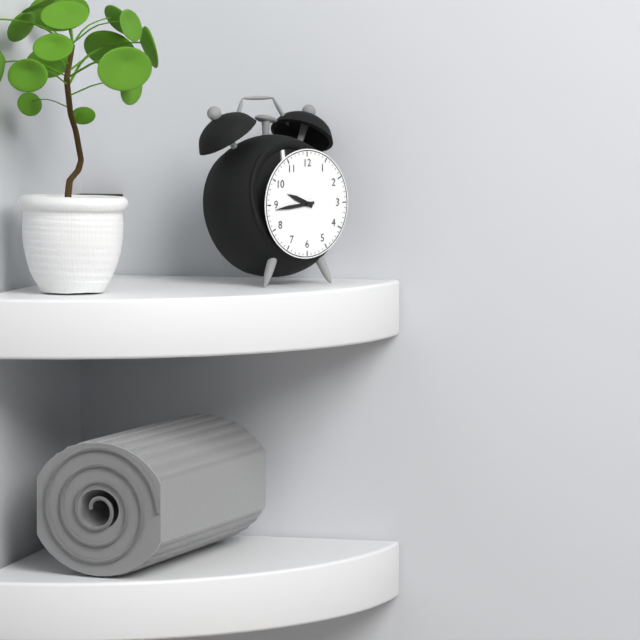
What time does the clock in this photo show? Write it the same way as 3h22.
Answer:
9h44
